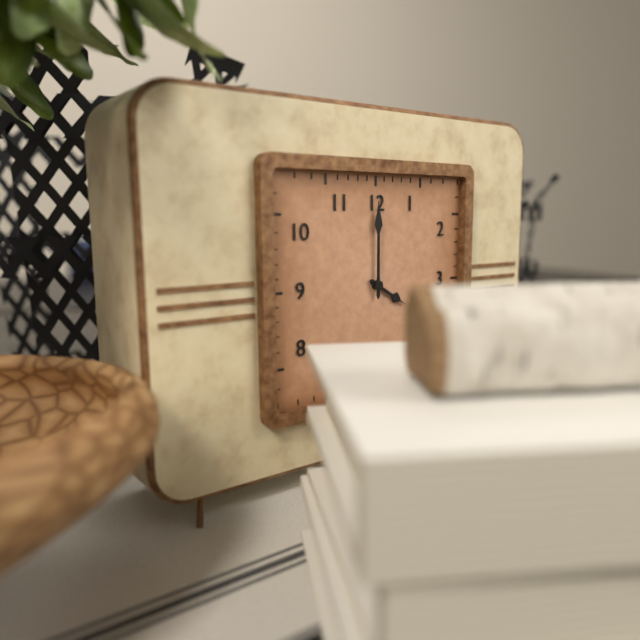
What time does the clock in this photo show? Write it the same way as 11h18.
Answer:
4h00
